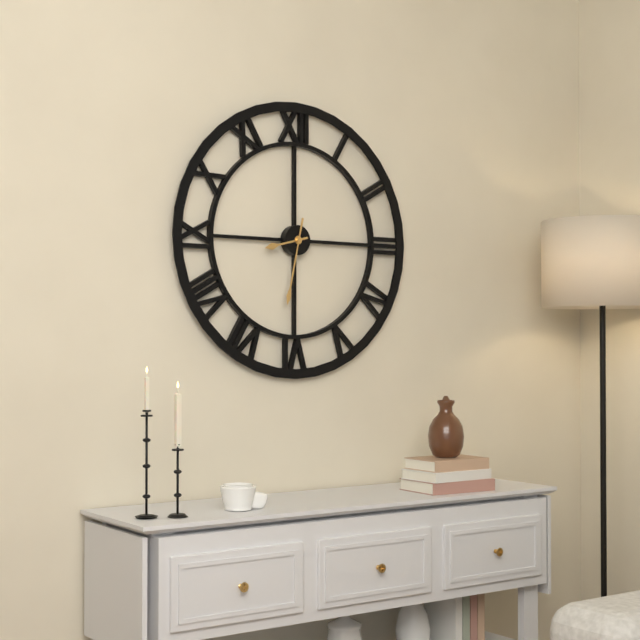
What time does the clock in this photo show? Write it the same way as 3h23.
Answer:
8h32
